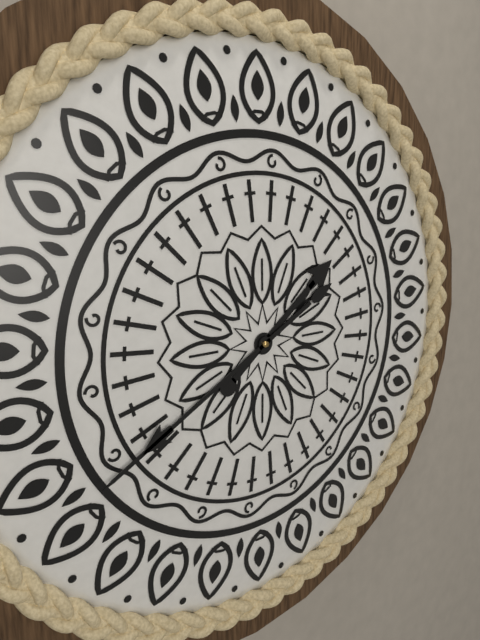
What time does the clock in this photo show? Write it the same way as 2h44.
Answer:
1h40
